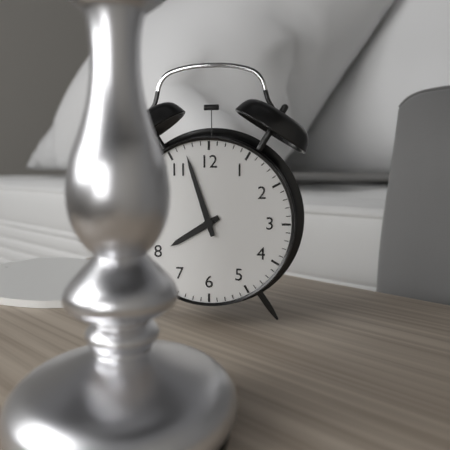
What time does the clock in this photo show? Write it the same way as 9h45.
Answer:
7h57
